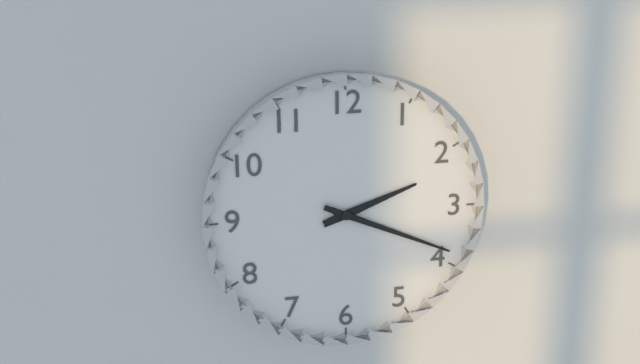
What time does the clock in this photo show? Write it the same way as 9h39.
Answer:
2h19
